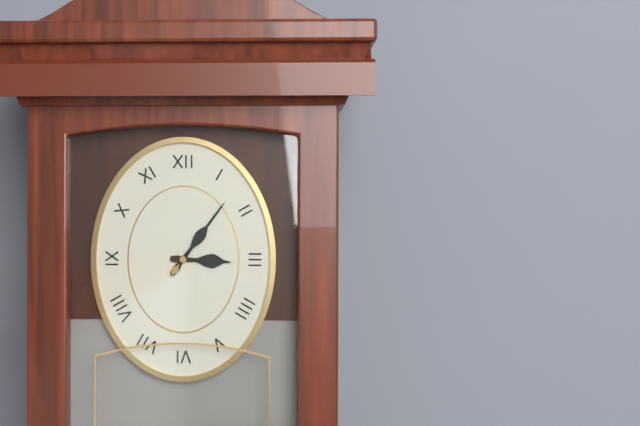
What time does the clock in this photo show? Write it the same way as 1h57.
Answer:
3h06
